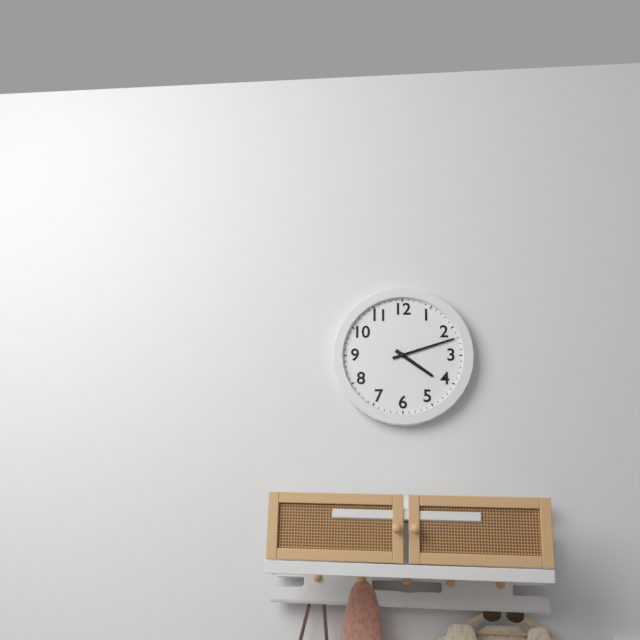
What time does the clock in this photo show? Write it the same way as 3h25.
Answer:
4h12
